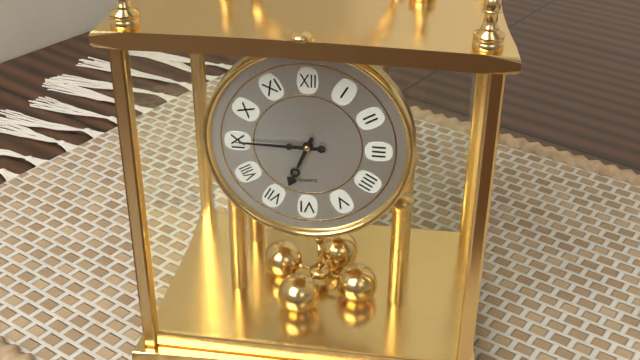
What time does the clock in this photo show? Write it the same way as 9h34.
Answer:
6h45
